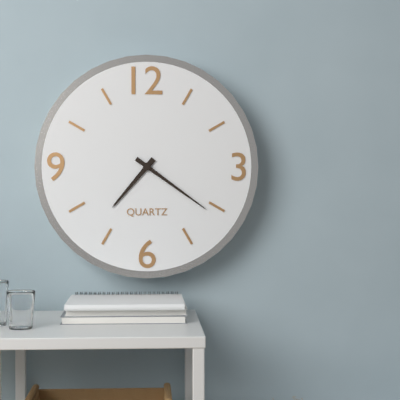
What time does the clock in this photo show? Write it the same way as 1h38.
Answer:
7h21
